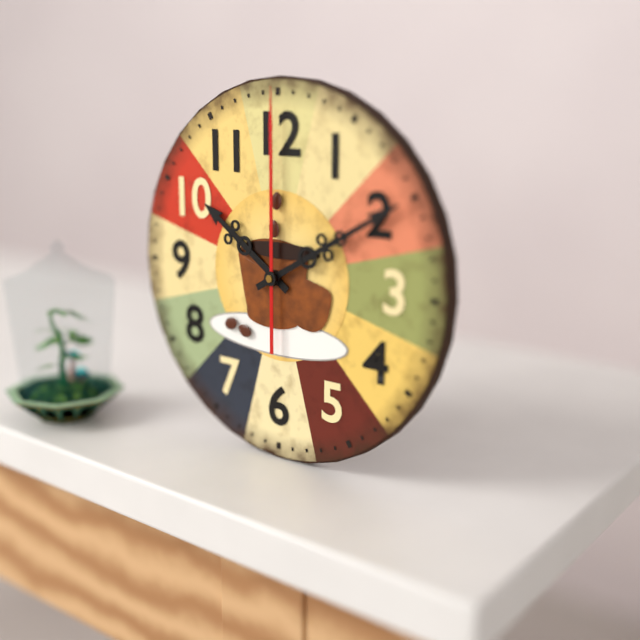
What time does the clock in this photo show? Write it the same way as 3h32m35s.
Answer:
10h10m00s
